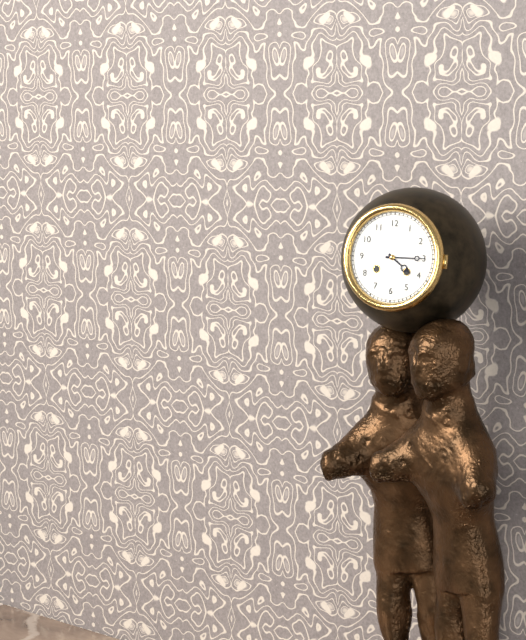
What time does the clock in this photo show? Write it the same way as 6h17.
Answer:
4h15
